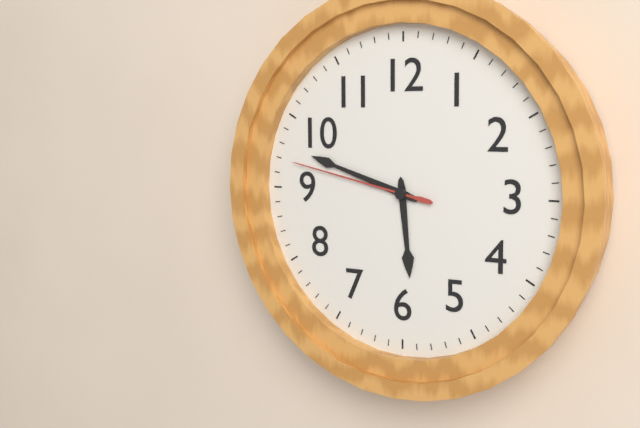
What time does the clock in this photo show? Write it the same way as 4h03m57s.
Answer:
5h48m47s
